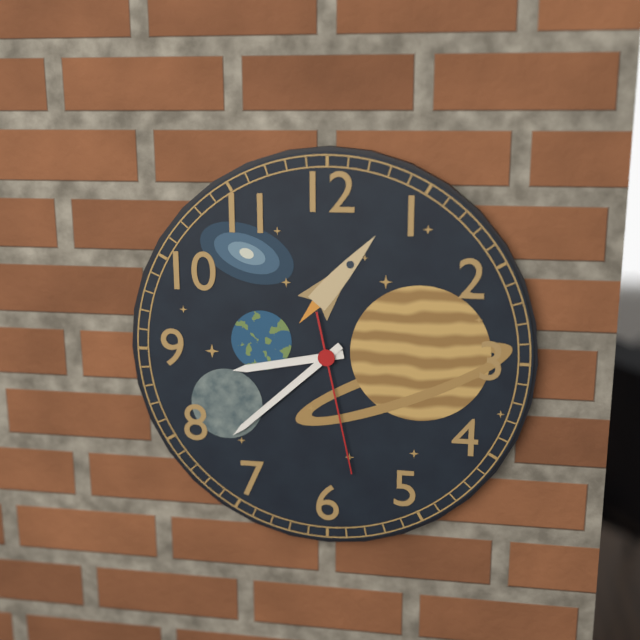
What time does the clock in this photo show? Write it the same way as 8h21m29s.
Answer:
8h38m28s
